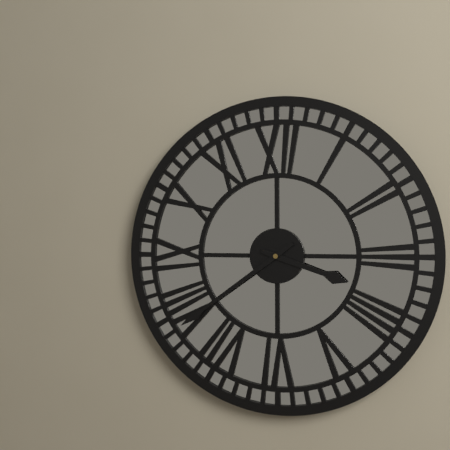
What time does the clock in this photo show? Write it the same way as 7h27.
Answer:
3h39
